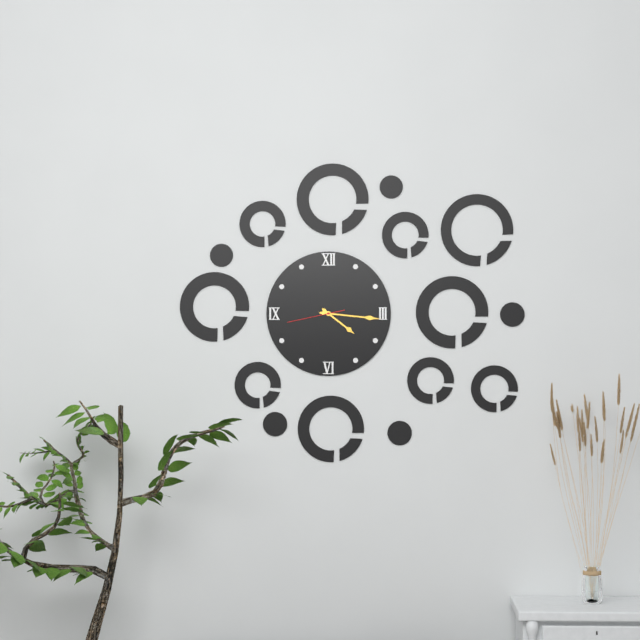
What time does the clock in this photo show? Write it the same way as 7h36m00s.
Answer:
4h16m43s
